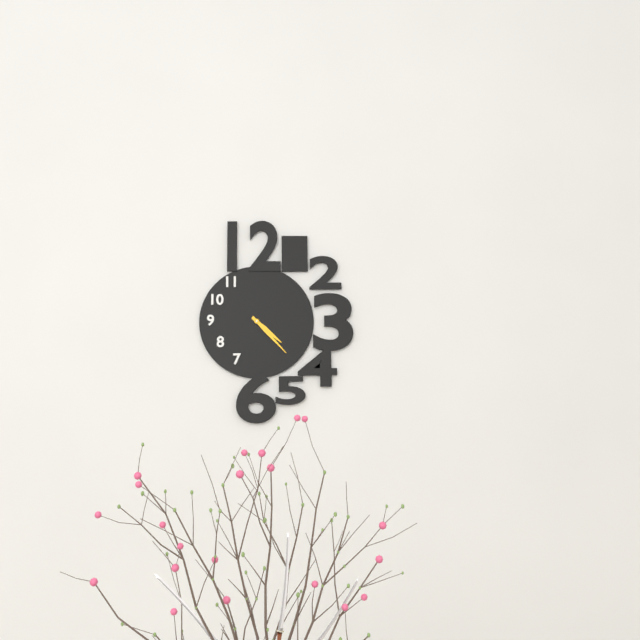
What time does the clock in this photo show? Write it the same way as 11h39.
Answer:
4h23
